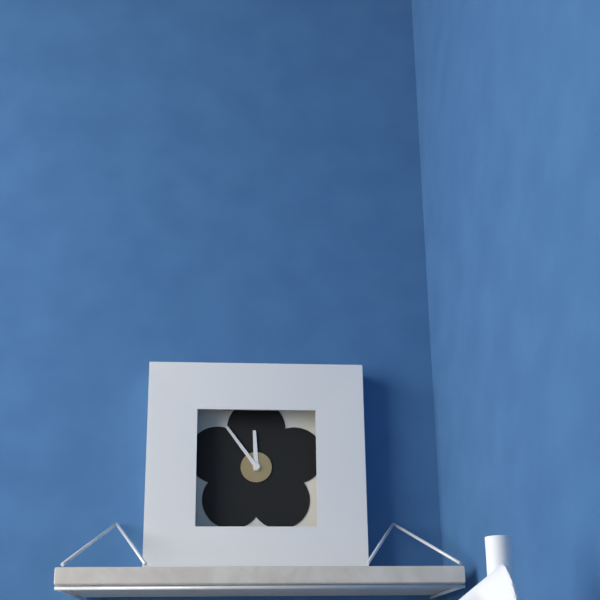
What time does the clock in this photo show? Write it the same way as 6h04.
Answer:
11h54
